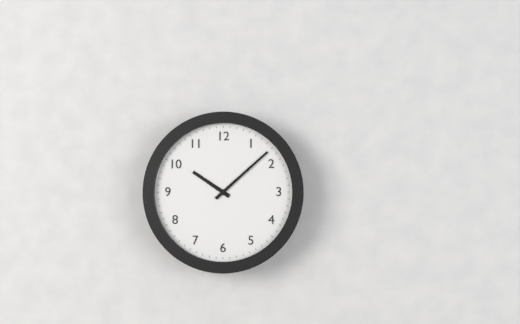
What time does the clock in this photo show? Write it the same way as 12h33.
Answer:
10h08
